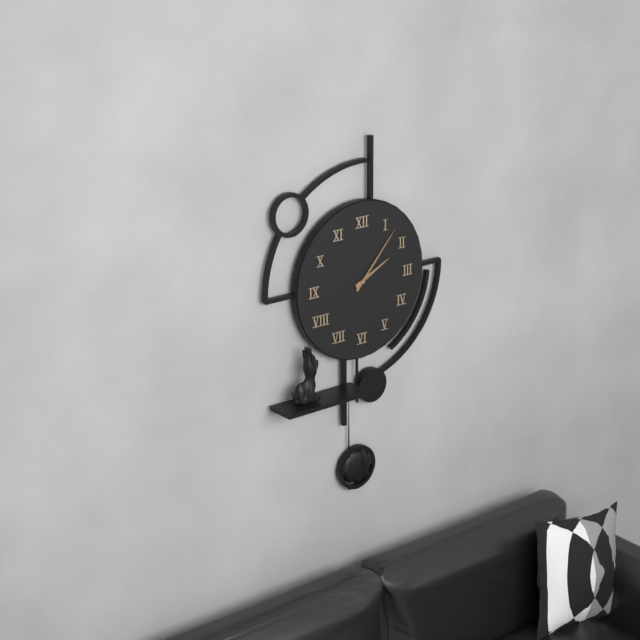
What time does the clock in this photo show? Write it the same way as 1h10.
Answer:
2h07
